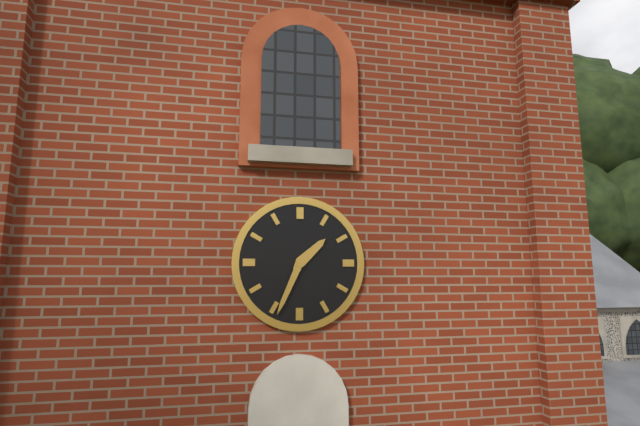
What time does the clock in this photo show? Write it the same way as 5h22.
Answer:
1h34
